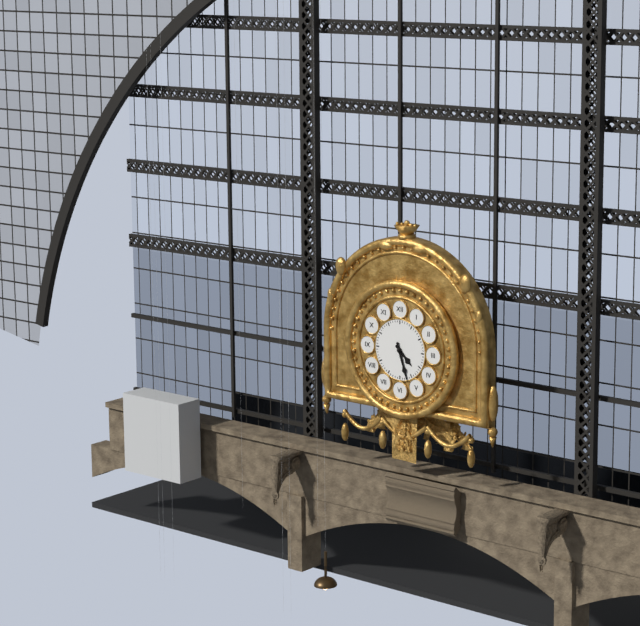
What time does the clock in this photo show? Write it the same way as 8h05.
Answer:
4h27
